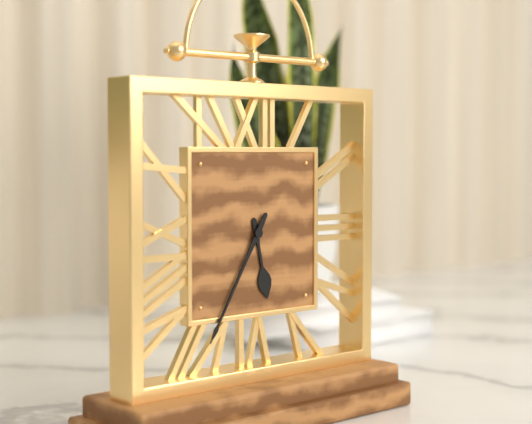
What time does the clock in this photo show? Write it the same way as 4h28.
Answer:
5h35
